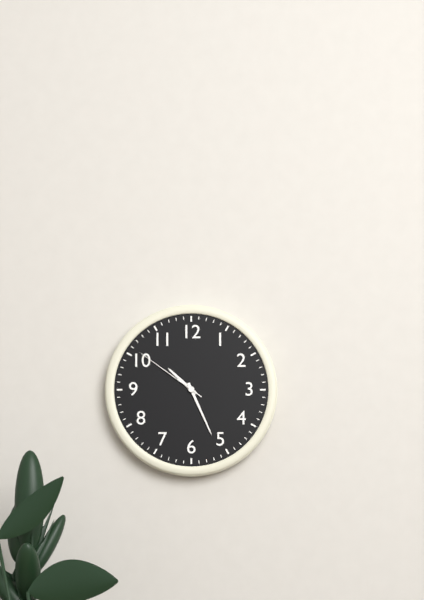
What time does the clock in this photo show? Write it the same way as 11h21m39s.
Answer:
10h26m51s
